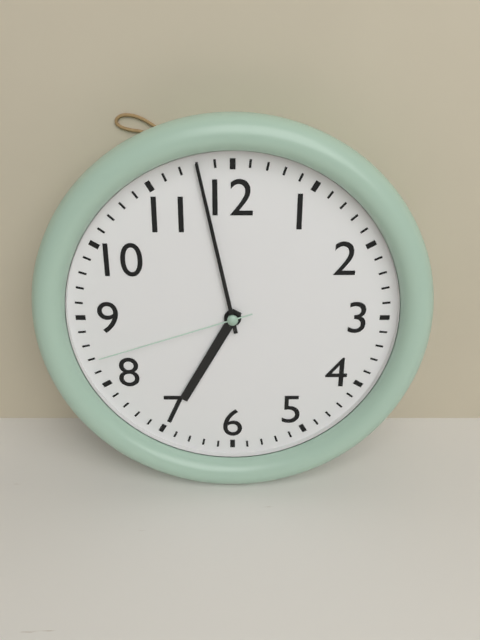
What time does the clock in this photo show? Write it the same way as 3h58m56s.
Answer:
6h58m42s
